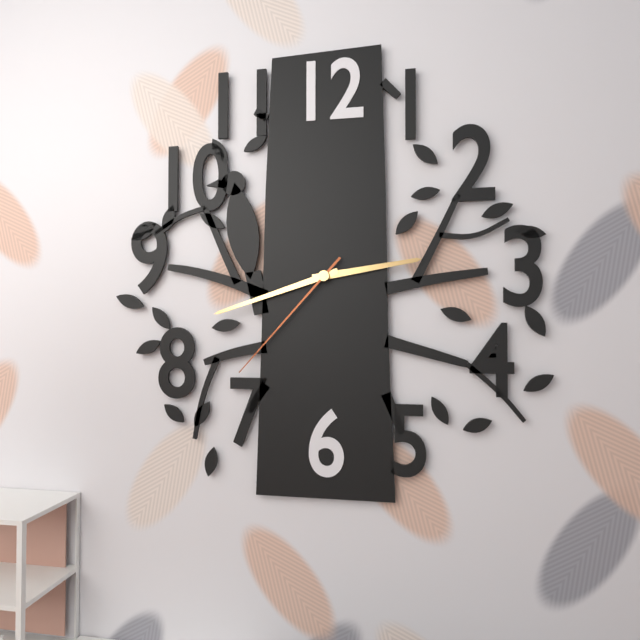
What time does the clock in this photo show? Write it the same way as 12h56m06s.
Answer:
2h42m37s
